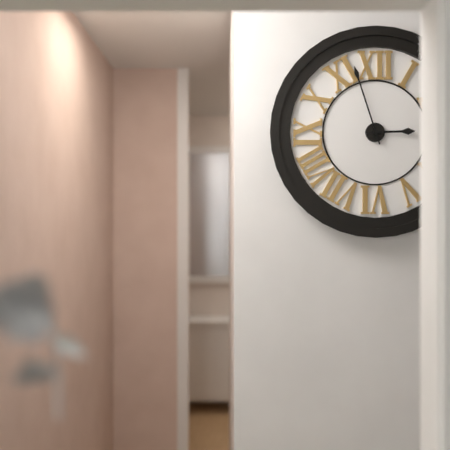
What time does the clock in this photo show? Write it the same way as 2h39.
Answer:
2h57
